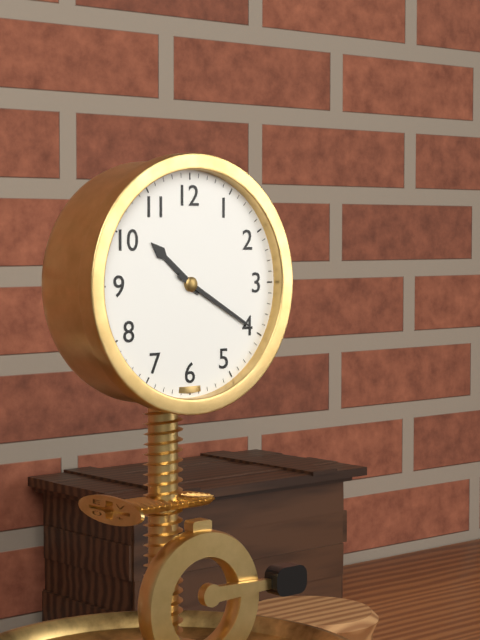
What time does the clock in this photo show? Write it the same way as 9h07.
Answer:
10h20
